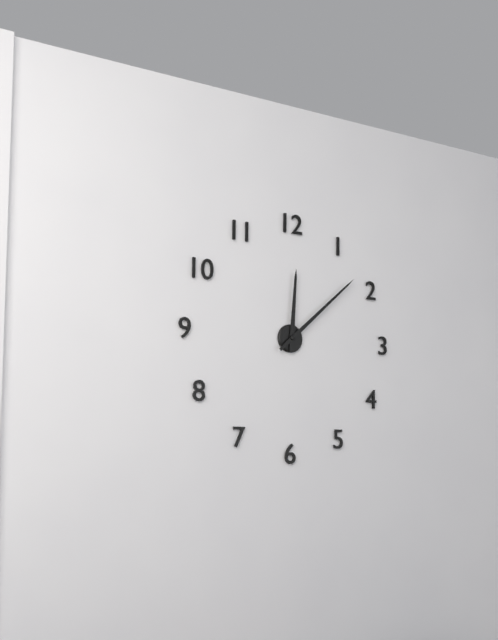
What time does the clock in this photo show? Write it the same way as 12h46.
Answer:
12h08
